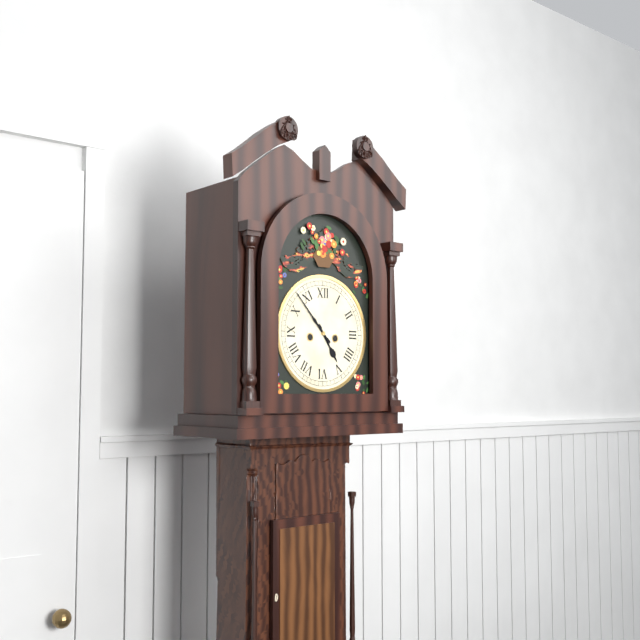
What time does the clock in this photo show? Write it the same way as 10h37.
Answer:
4h53
